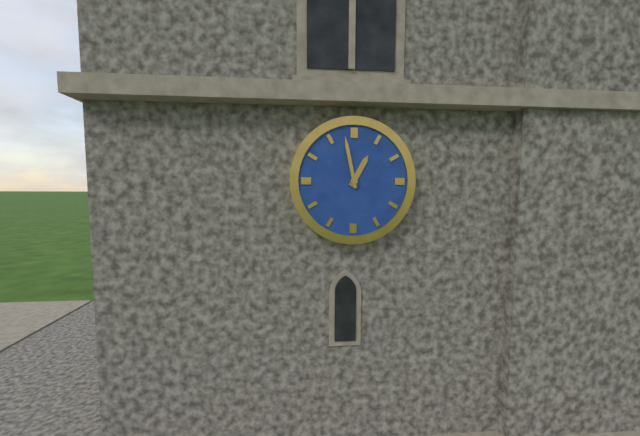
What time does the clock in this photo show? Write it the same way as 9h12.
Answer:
12h58
